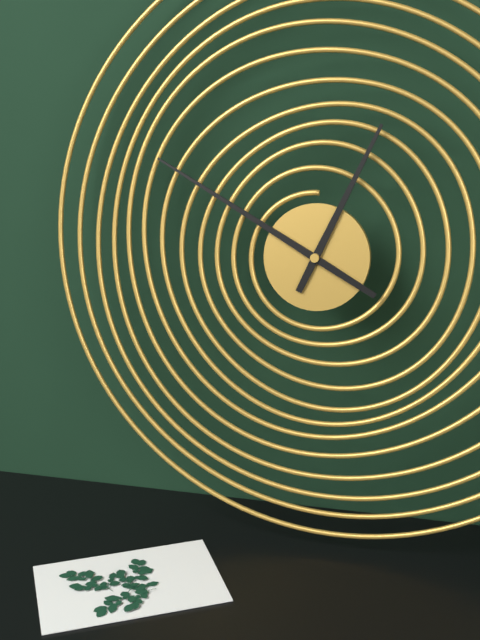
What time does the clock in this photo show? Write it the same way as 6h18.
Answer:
12h50
